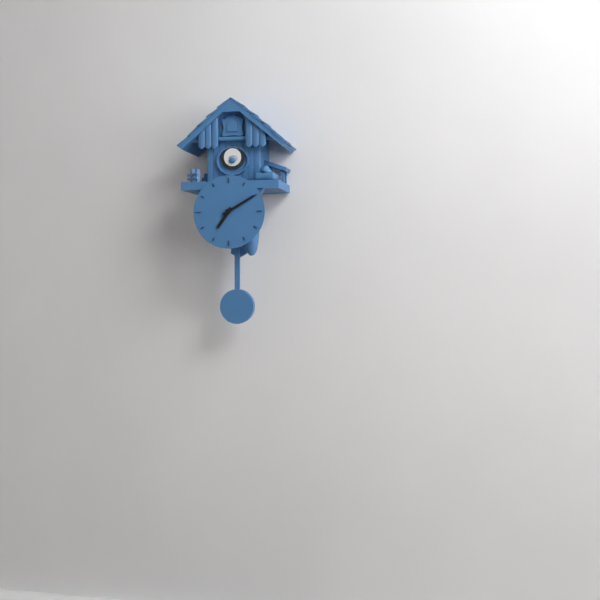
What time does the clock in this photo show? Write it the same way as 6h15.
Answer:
7h10
